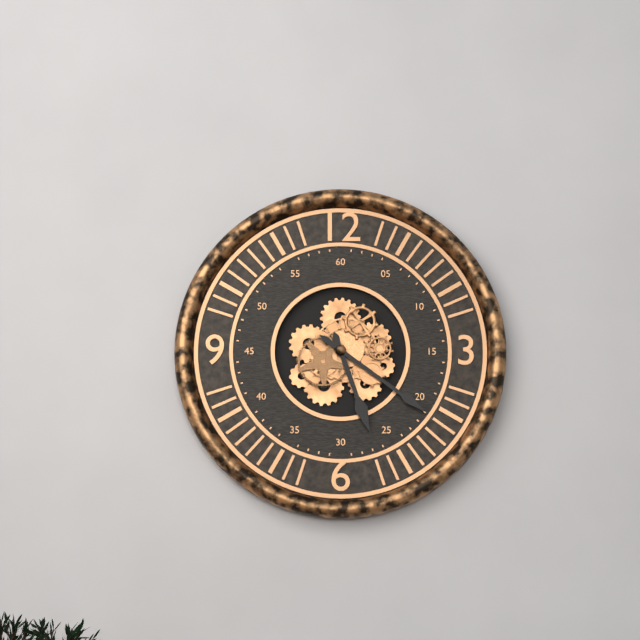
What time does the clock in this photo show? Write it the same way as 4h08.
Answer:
5h21
